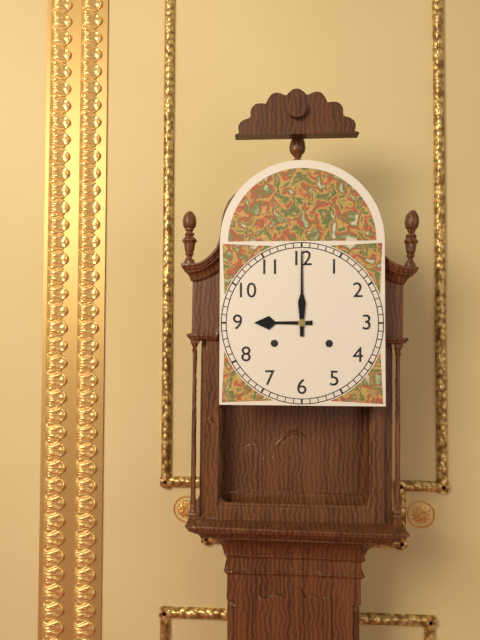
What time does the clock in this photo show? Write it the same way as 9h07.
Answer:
9h00
